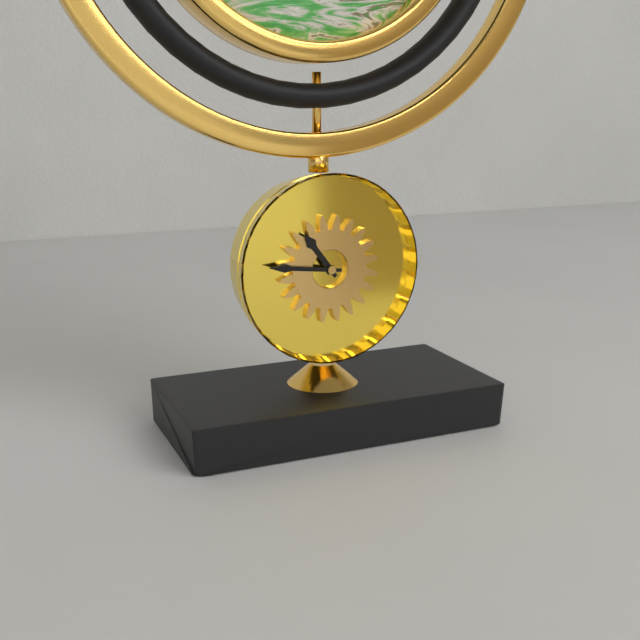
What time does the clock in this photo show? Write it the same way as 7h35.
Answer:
10h46
